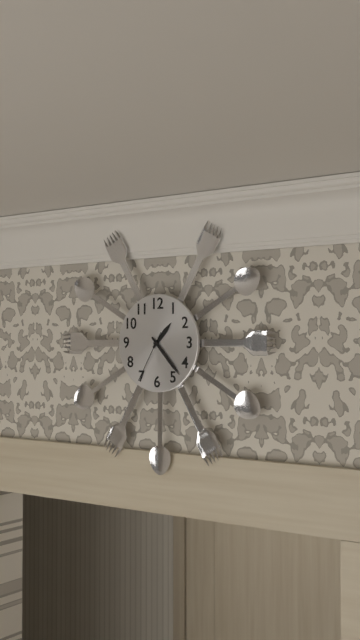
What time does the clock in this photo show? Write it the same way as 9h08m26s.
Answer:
1h23m35s
